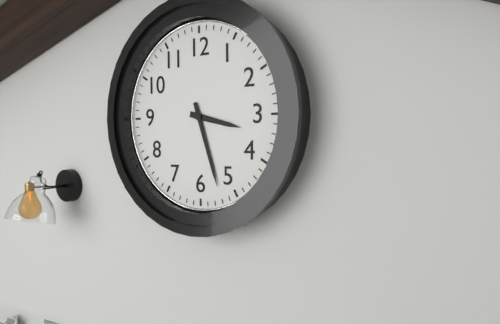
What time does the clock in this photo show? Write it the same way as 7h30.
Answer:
3h27
